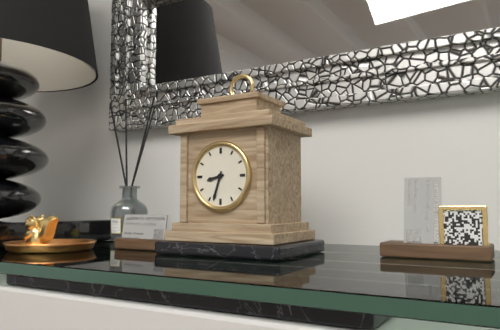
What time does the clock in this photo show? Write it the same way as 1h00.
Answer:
8h33
